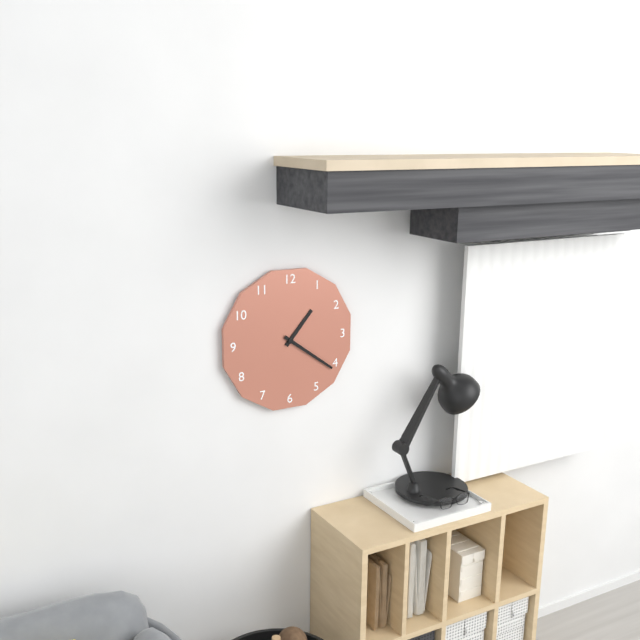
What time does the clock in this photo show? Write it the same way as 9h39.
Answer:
1h21
